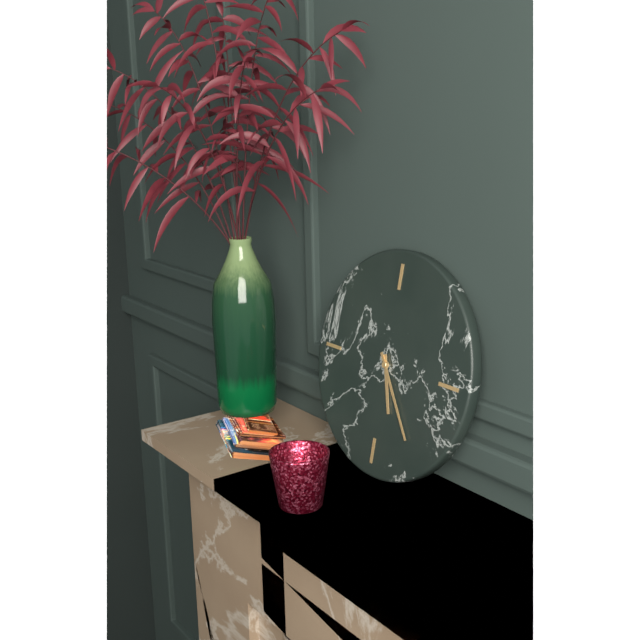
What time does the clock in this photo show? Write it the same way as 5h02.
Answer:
5h24
